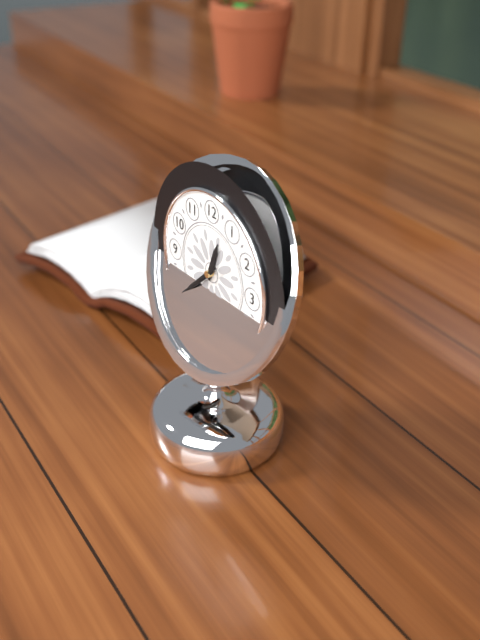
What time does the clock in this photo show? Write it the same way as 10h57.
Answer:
12h38
